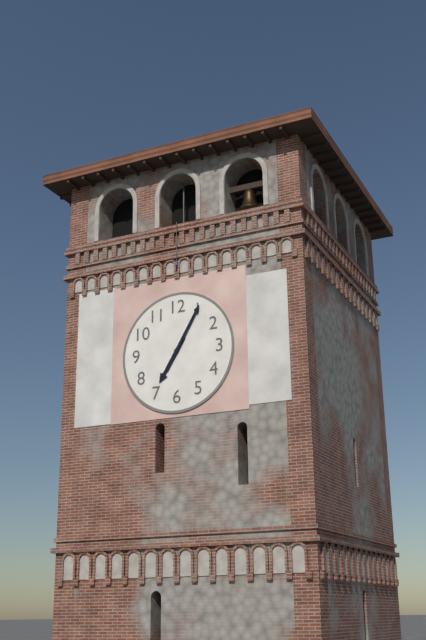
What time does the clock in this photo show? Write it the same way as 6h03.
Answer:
7h05
